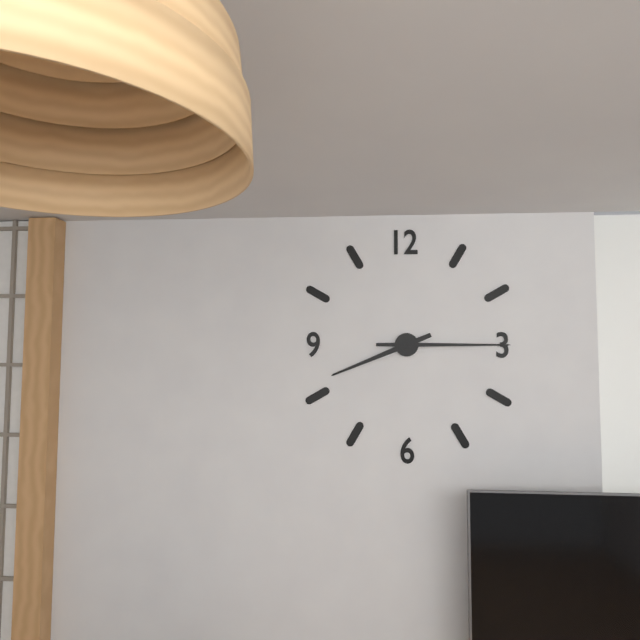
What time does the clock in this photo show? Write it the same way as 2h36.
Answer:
8h15
